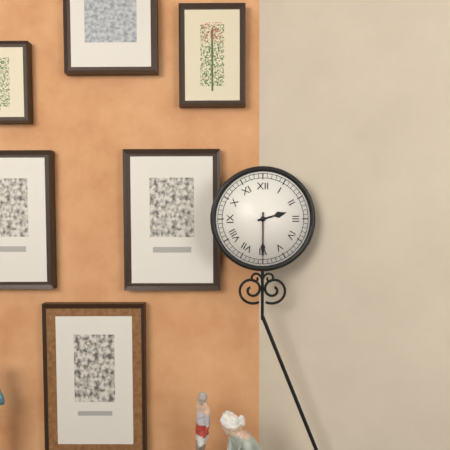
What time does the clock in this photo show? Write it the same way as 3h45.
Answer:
2h30
